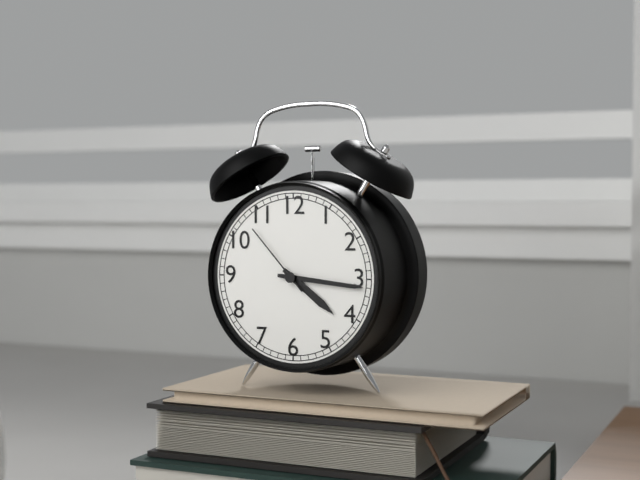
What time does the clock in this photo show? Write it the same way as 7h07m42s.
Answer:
4h16m53s
